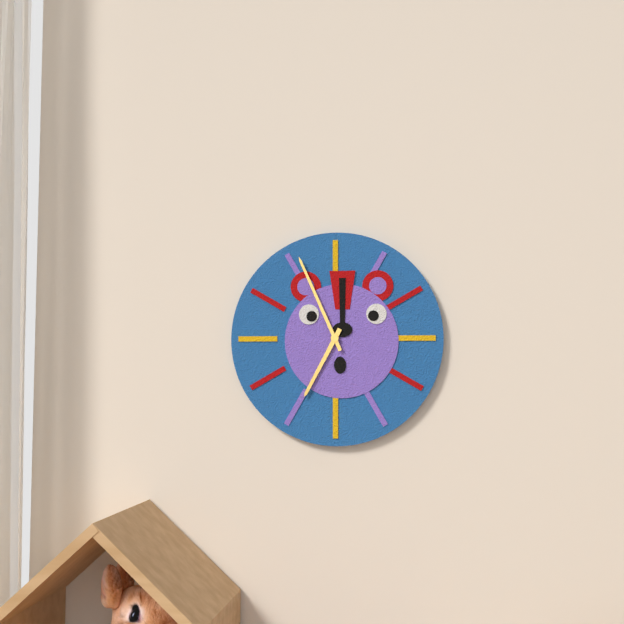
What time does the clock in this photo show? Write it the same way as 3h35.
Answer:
6h56
